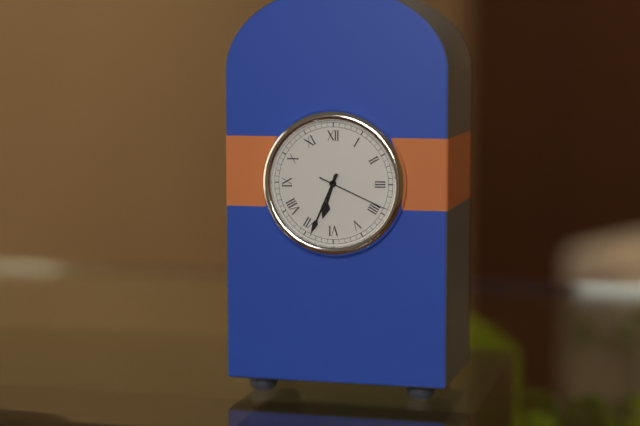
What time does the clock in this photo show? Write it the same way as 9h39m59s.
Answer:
6h34m19s
